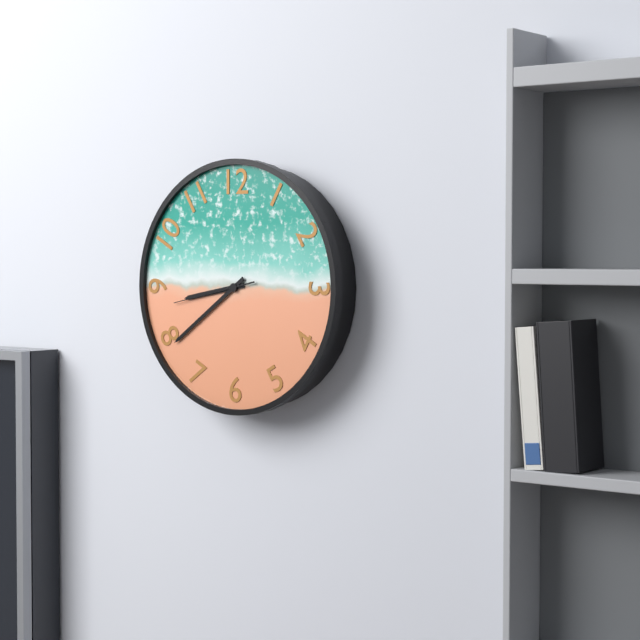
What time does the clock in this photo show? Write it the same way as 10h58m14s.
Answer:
8h39m43s
